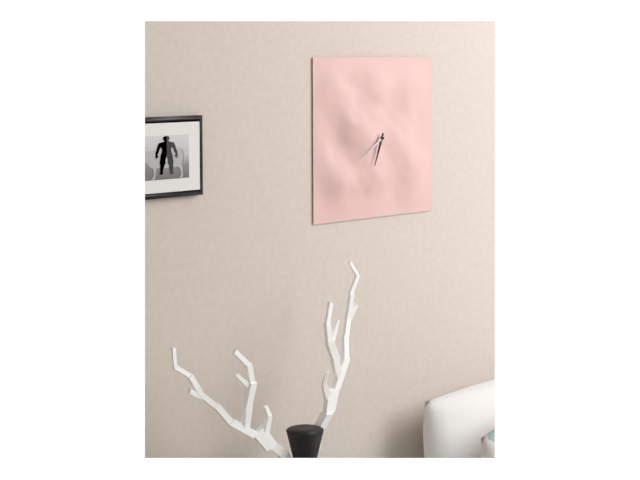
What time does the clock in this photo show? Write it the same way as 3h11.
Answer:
6h39
